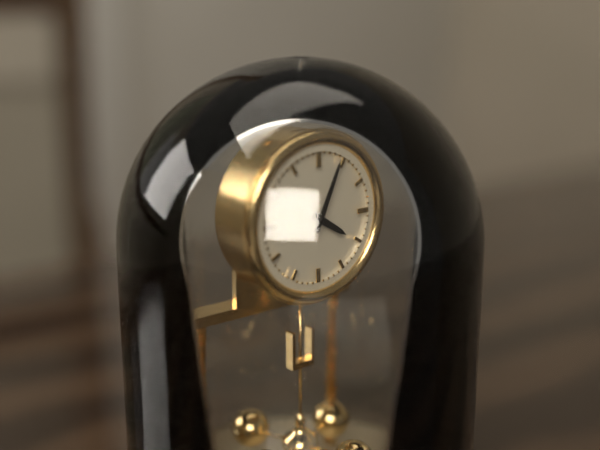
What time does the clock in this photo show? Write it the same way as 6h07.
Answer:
4h04
